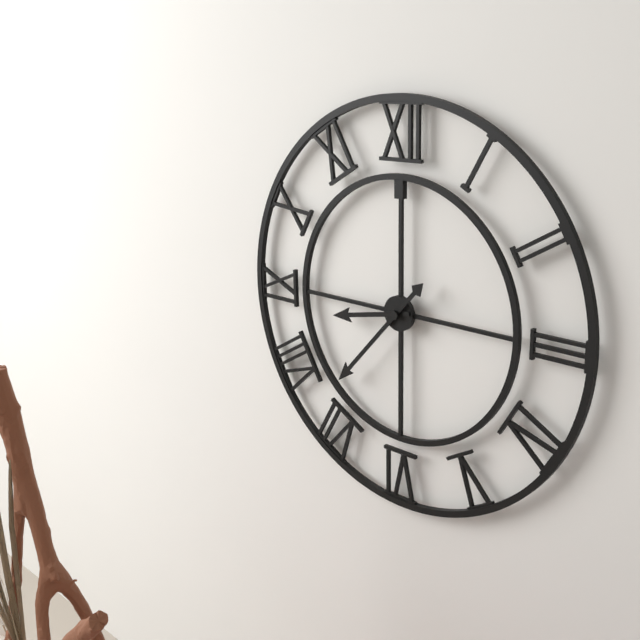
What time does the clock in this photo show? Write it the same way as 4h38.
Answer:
8h37
